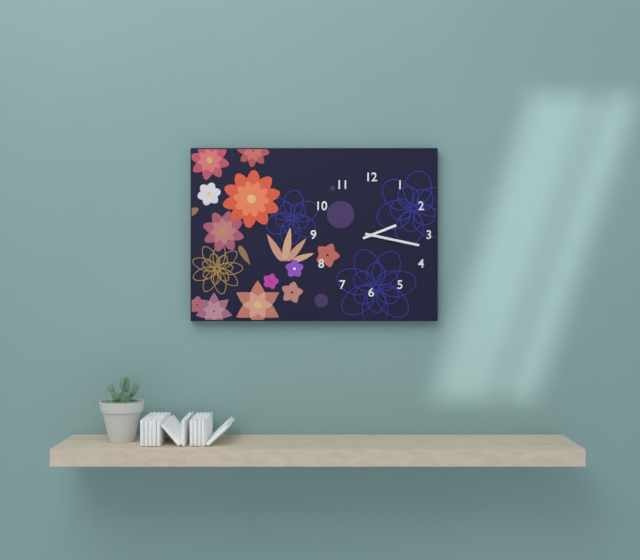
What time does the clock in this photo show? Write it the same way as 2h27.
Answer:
2h17
